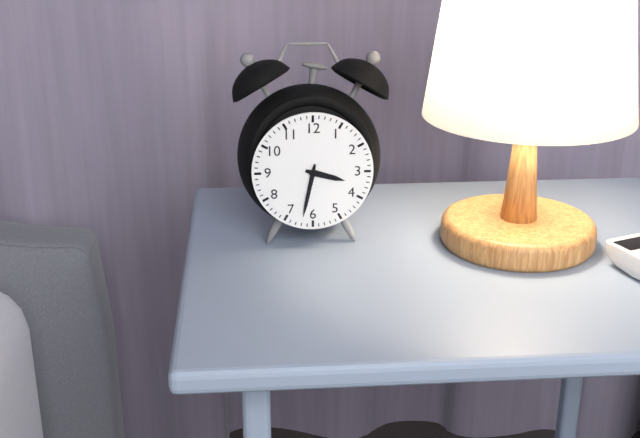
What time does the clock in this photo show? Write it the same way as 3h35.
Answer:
3h32
